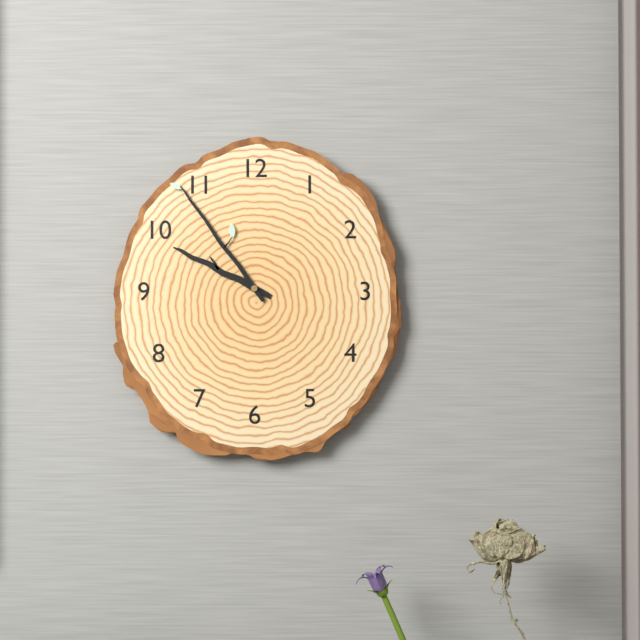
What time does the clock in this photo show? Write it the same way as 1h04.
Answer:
9h54
